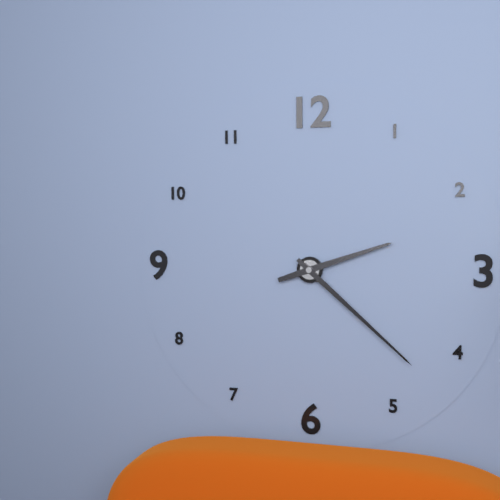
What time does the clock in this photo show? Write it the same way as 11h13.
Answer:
2h22
